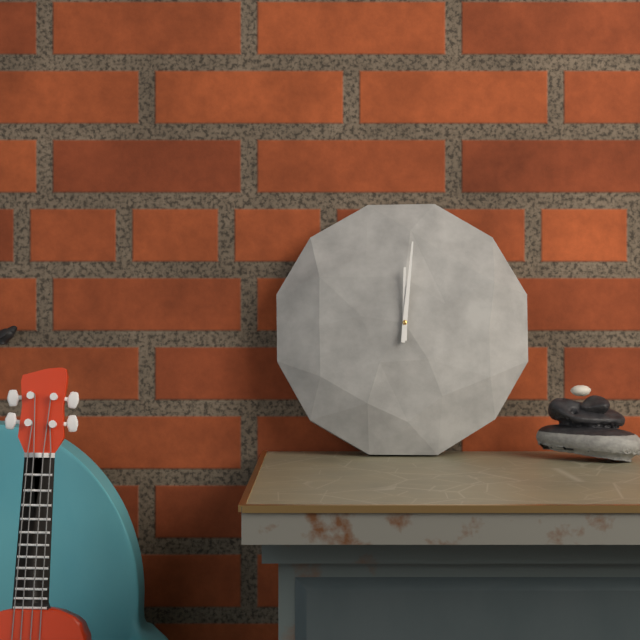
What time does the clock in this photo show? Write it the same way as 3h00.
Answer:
12h01
